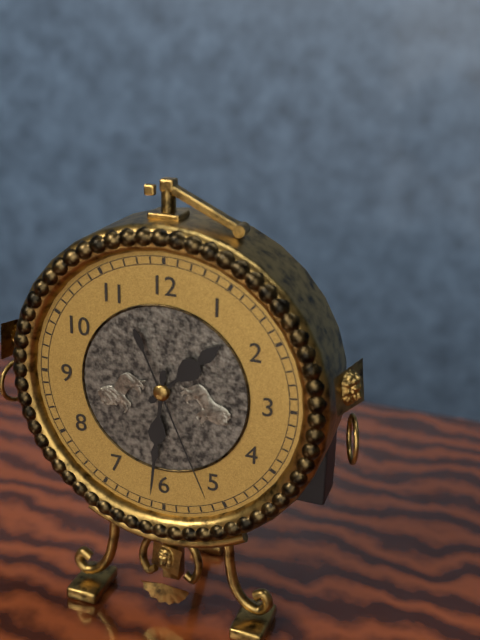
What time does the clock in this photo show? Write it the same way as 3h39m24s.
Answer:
1h31m26s
